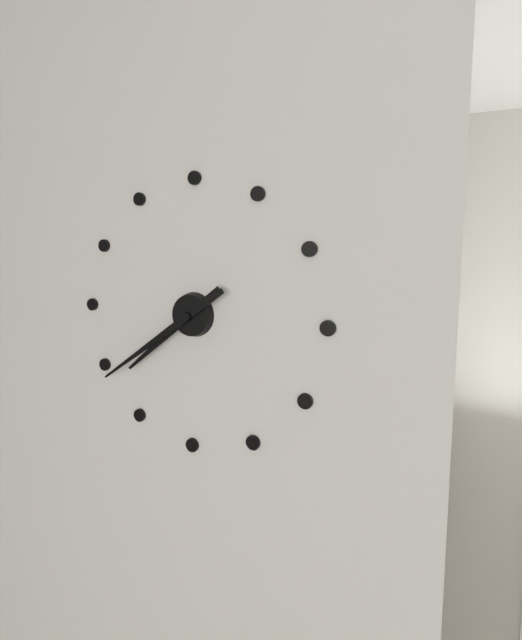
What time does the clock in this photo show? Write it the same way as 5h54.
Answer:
7h39
